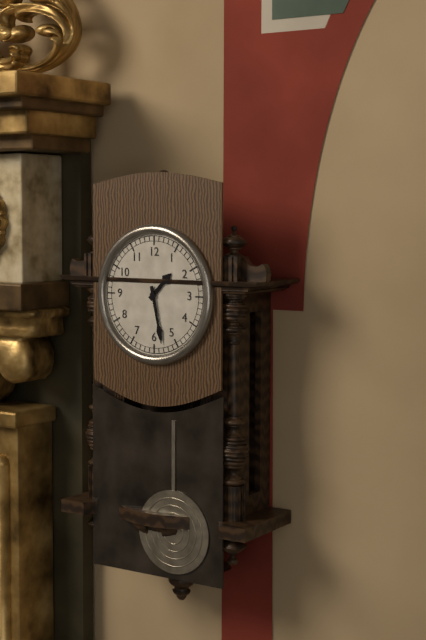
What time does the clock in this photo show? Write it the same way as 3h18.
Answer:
1h28
